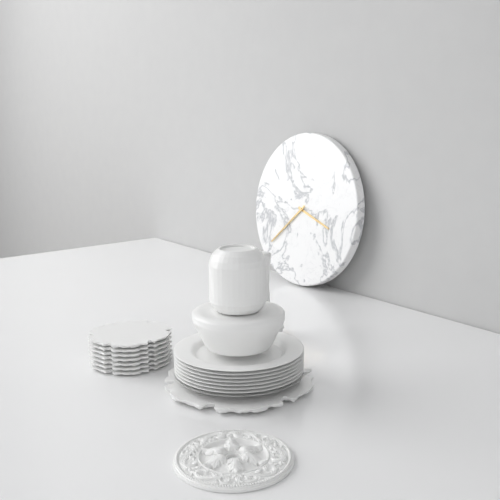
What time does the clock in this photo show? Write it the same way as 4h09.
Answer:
3h38
